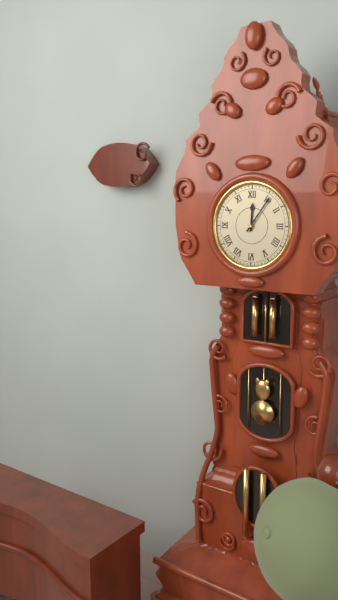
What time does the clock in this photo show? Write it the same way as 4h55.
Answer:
12h06
